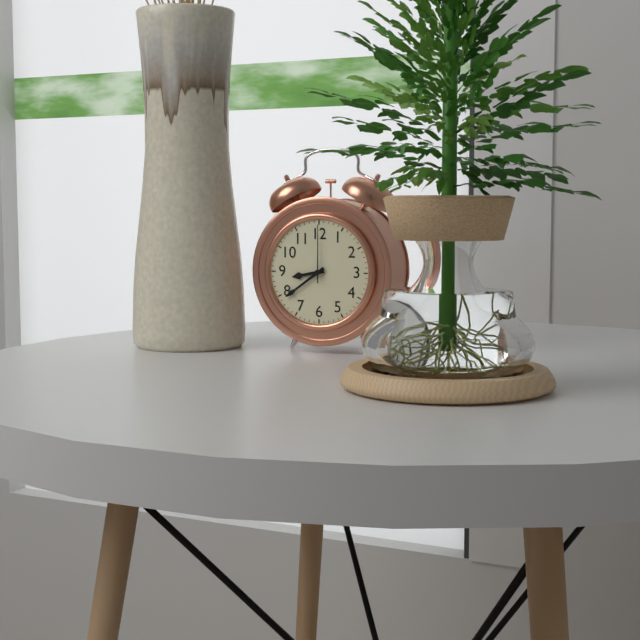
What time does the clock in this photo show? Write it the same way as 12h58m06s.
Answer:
8h39m00s
